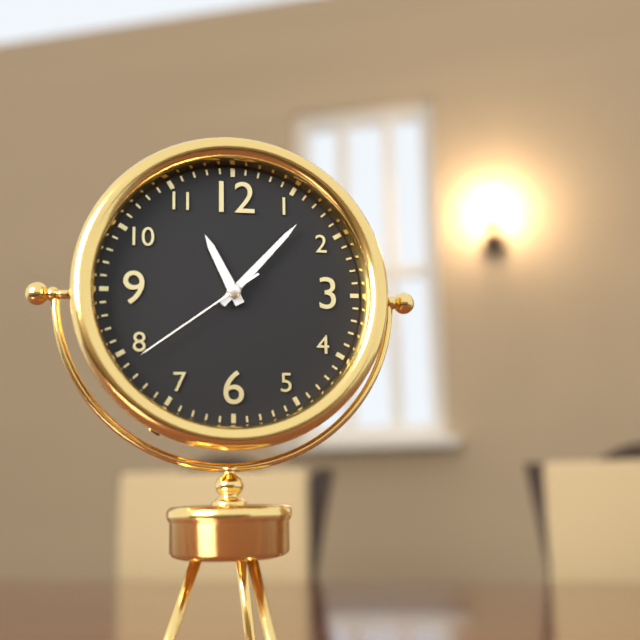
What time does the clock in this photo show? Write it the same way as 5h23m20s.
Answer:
11h07m39s
